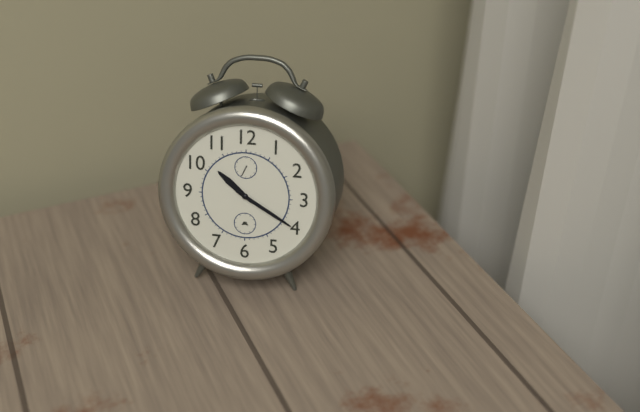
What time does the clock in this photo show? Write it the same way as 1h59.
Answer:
10h20
